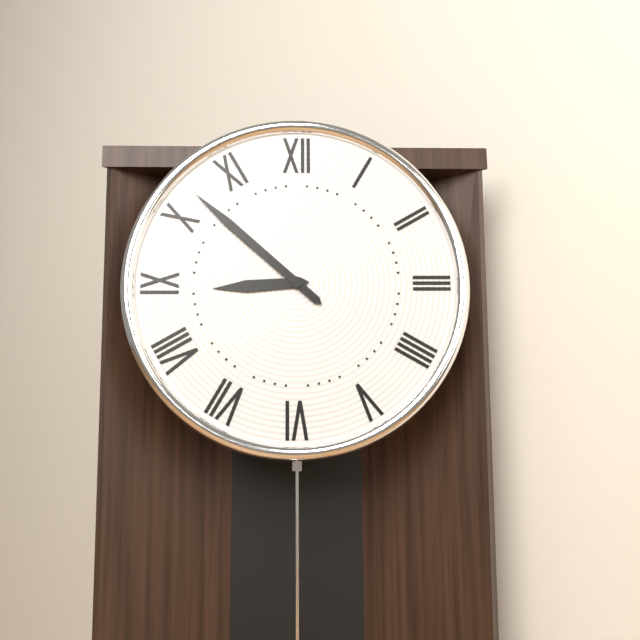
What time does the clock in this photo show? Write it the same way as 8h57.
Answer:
8h52
